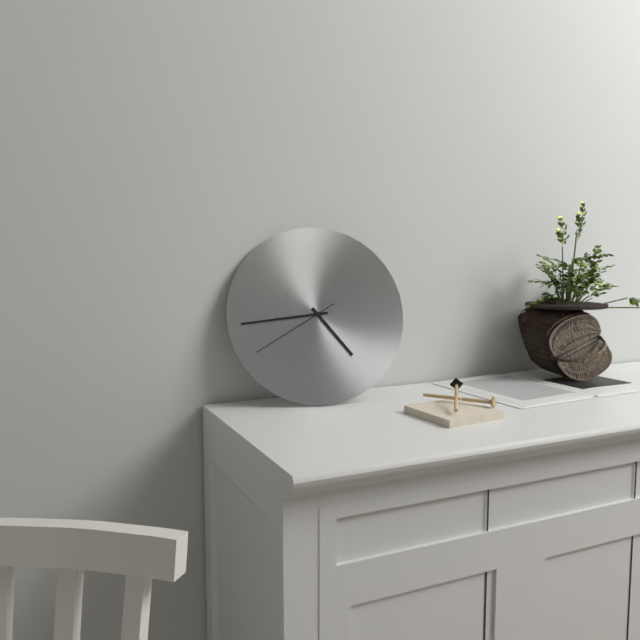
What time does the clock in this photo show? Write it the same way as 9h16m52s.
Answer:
4h44m40s
